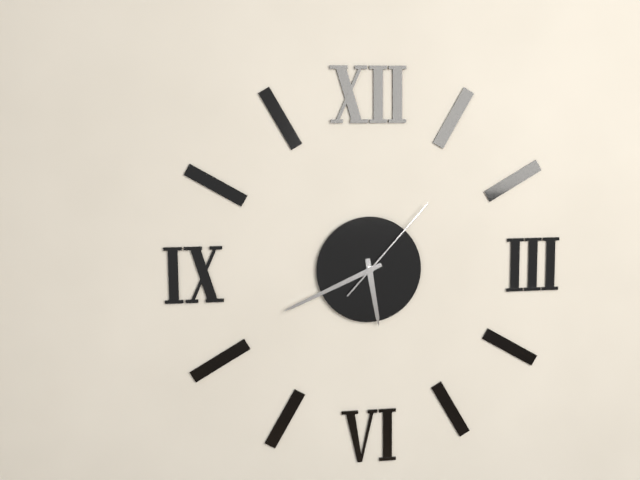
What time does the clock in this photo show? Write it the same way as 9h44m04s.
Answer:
5h41m07s
